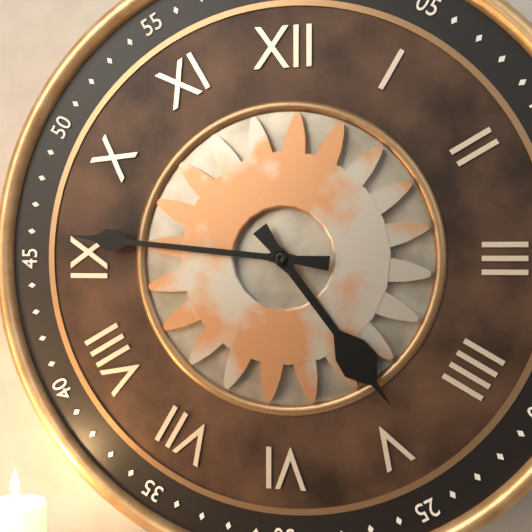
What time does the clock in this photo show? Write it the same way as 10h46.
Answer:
4h46
